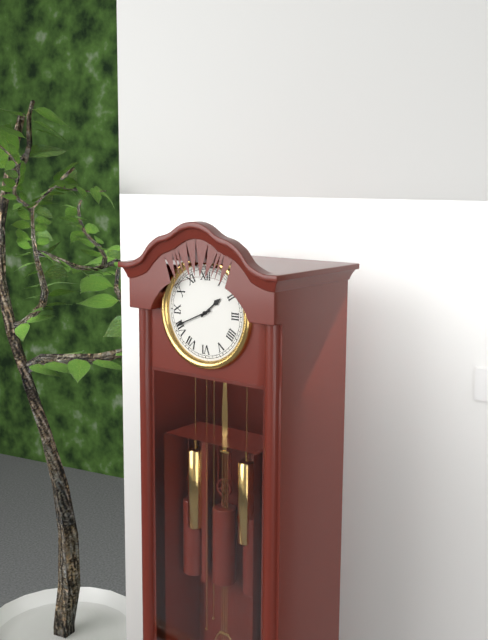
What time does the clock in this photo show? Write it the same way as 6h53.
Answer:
1h41
